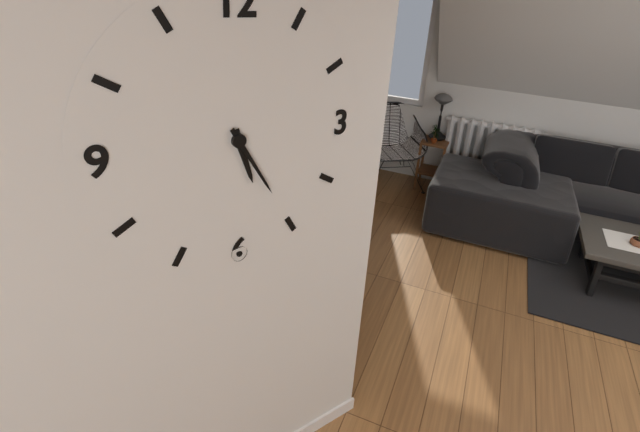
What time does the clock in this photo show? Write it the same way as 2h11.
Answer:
5h25
